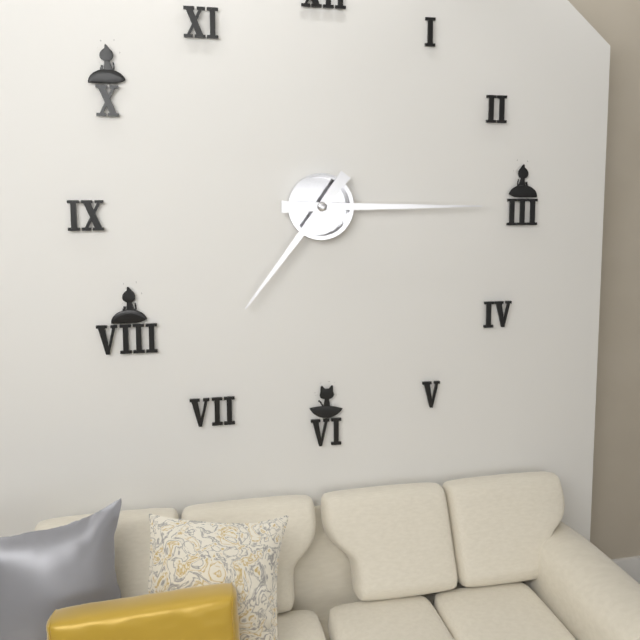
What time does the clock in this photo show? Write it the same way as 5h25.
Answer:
7h15
